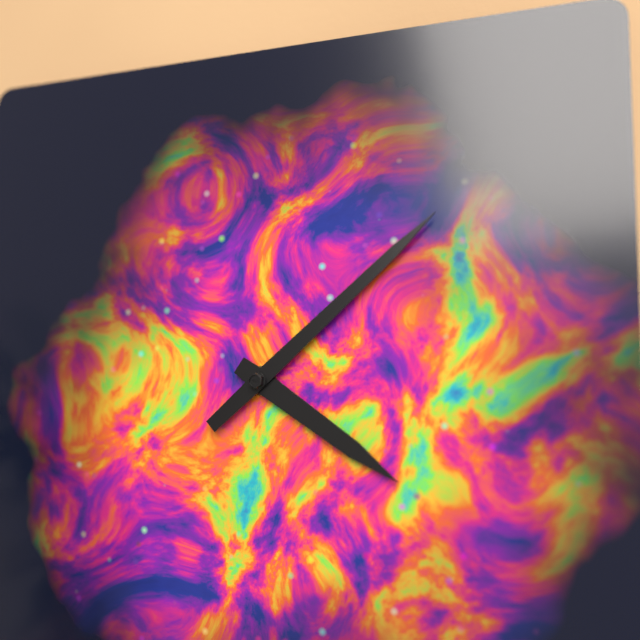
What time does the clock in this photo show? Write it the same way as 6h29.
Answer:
4h08
